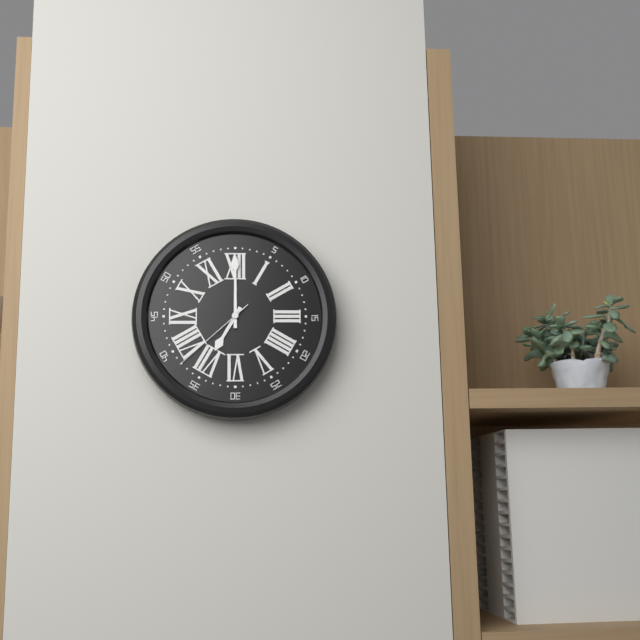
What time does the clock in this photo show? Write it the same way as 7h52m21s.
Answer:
7h00m38s
